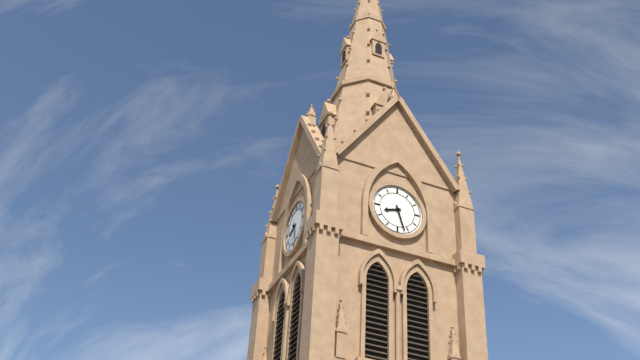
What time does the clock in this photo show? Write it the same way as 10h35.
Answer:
8h27
